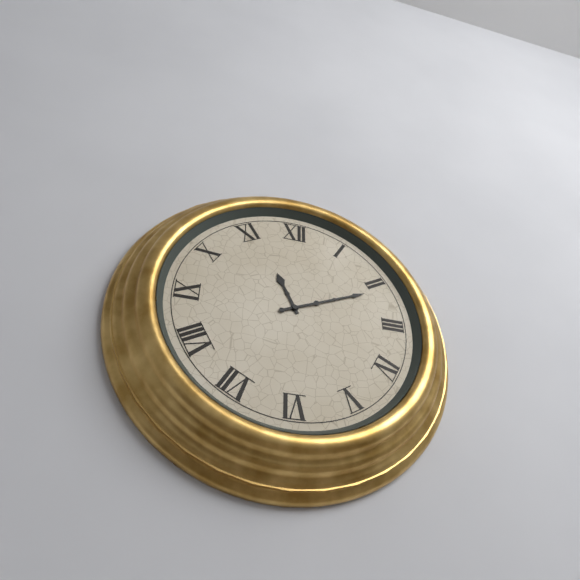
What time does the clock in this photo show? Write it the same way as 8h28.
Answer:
11h11
